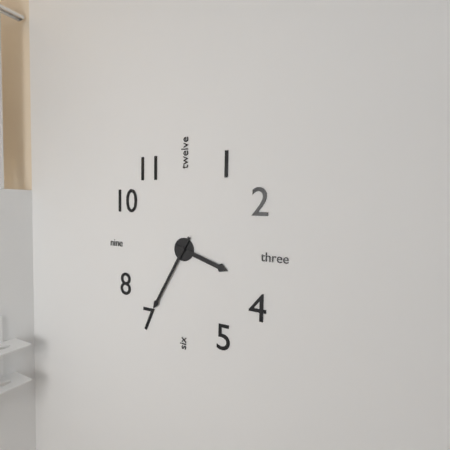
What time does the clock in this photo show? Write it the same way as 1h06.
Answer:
3h35
